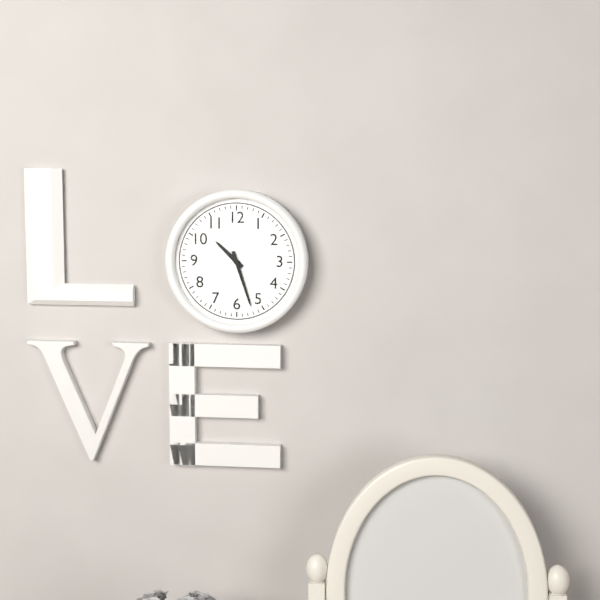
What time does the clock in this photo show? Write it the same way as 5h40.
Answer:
10h27
